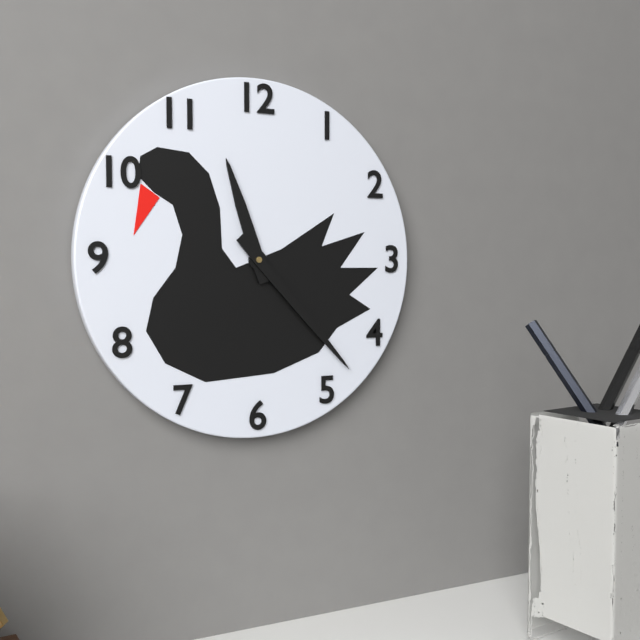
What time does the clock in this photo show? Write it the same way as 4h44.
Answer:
11h23
